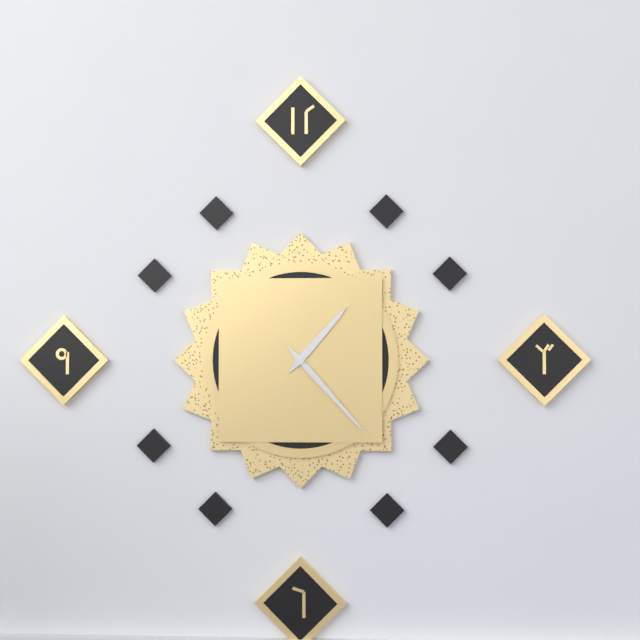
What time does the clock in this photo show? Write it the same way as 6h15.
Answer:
1h23
